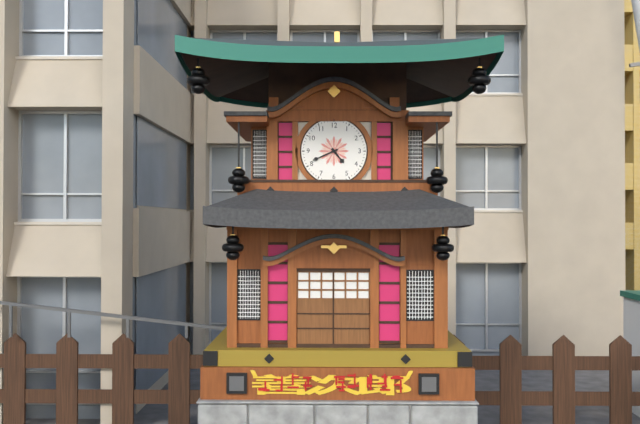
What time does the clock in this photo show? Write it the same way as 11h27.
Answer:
4h41
